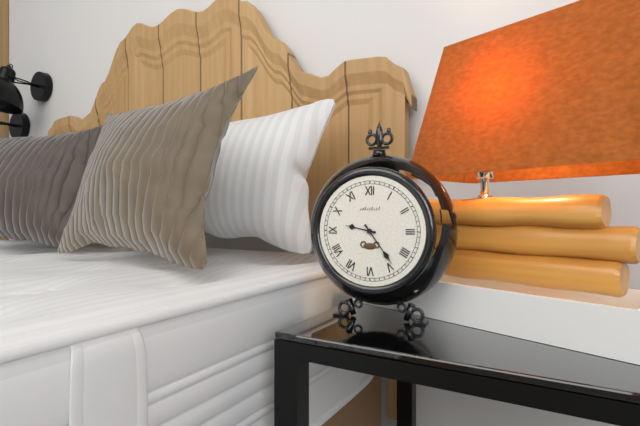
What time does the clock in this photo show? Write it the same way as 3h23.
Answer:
9h24
